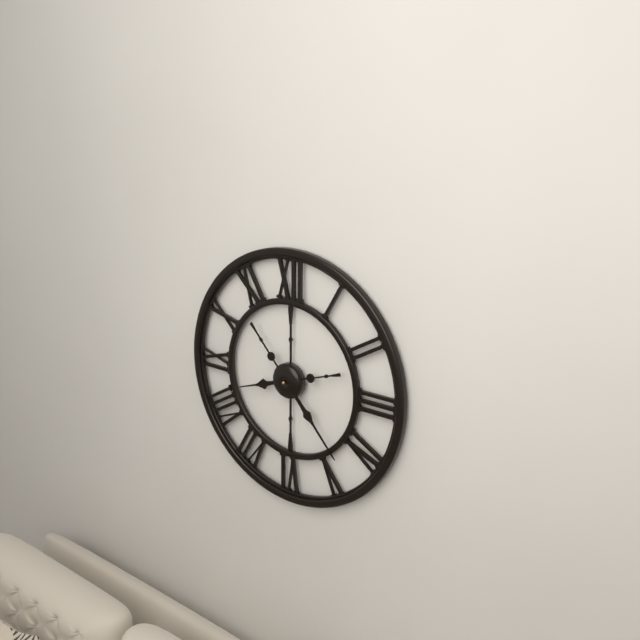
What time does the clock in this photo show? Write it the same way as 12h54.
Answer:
8h23
